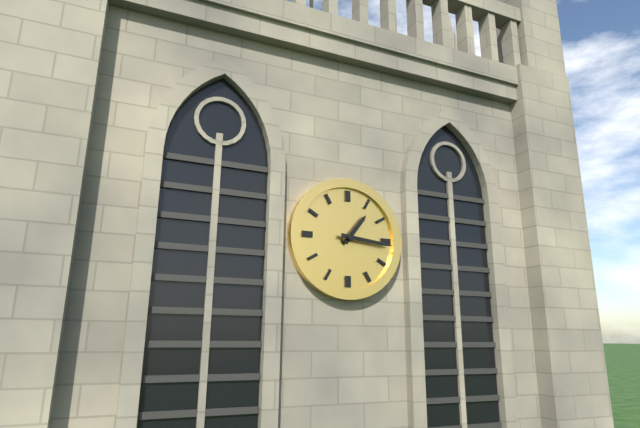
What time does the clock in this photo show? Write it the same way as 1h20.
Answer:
1h16
